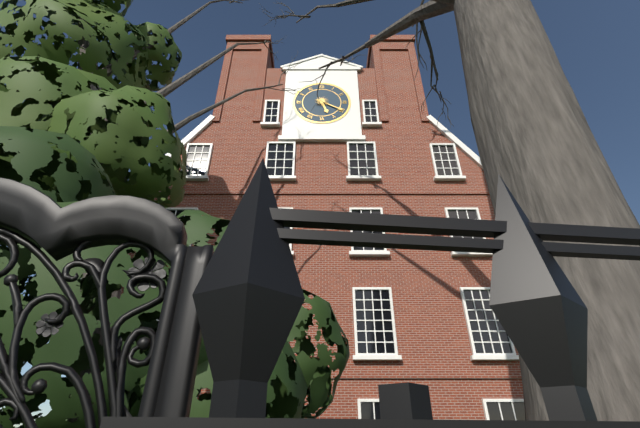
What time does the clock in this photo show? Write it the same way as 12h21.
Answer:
5h20
